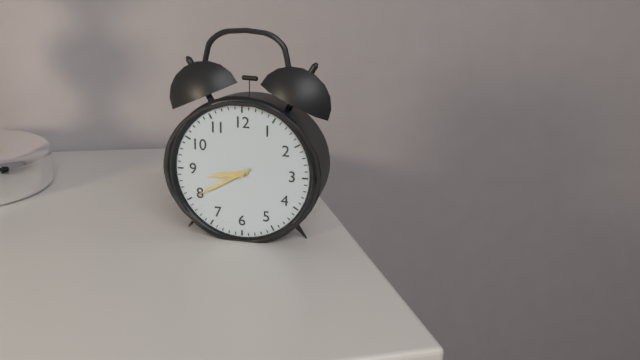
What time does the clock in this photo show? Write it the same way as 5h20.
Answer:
8h40
